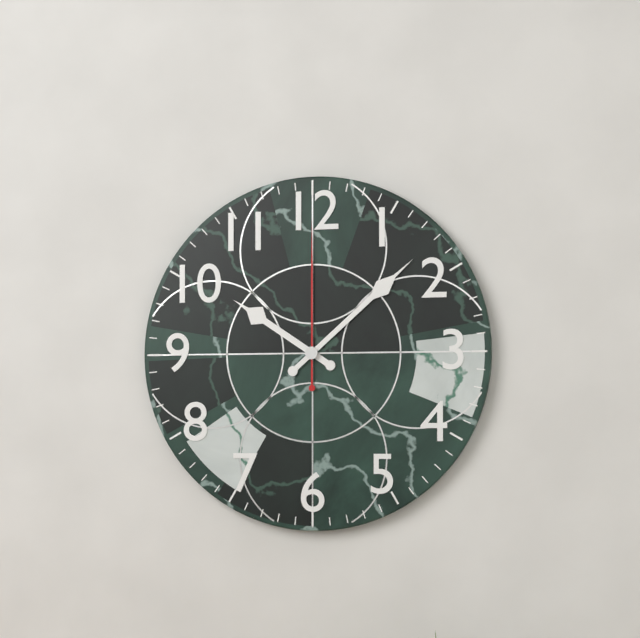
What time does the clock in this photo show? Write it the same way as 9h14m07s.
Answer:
10h08m00s
